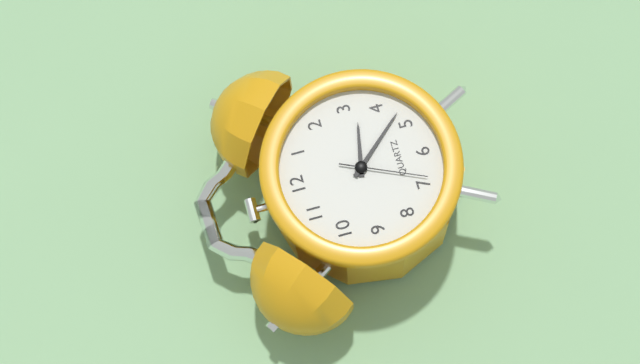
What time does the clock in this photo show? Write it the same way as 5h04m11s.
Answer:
3h23m34s
